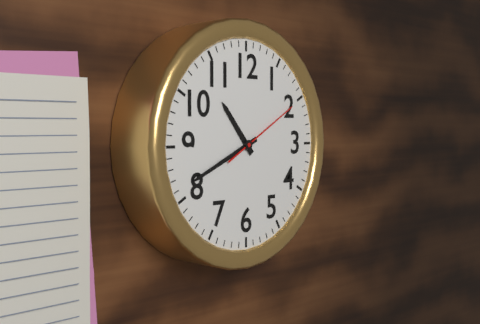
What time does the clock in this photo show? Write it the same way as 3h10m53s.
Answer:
10h41m10s
